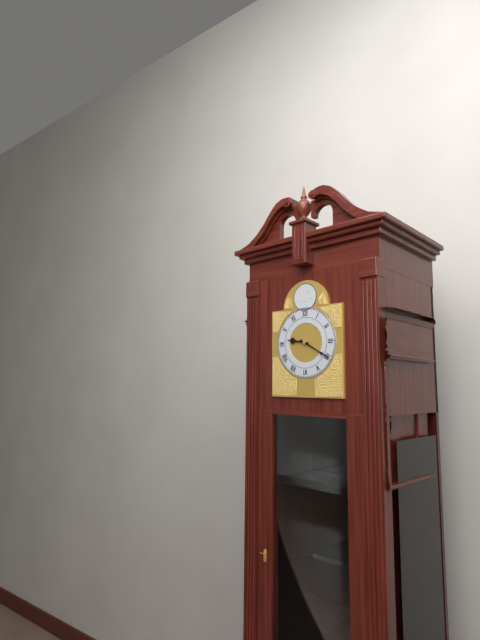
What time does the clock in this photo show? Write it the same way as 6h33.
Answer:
9h20
